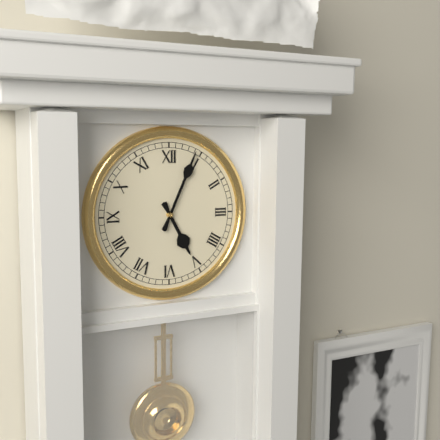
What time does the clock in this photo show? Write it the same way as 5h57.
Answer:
5h04
